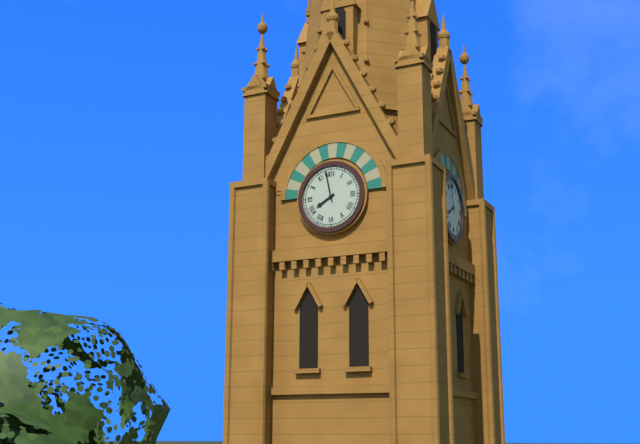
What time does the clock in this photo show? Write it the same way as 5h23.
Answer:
7h58
